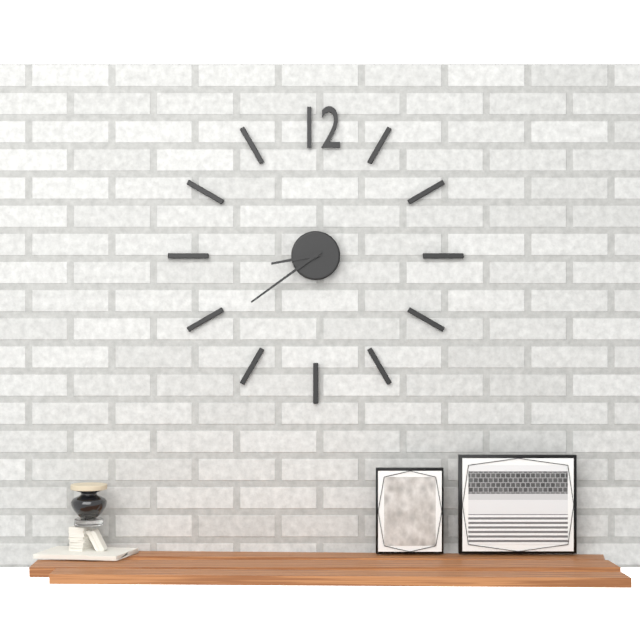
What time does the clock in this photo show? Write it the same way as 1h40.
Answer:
8h39
